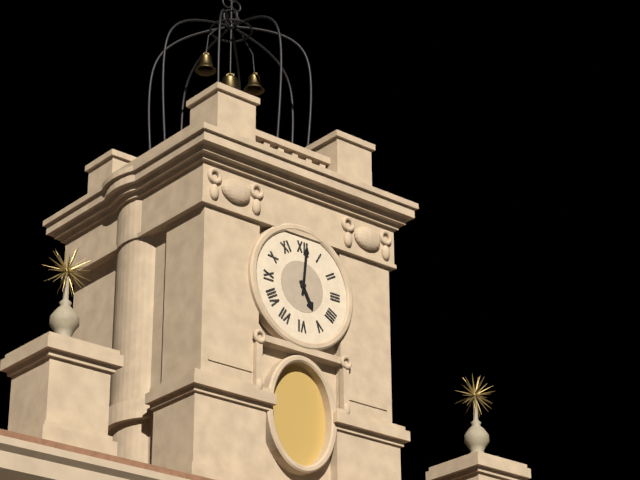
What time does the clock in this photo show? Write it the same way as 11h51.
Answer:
5h01
